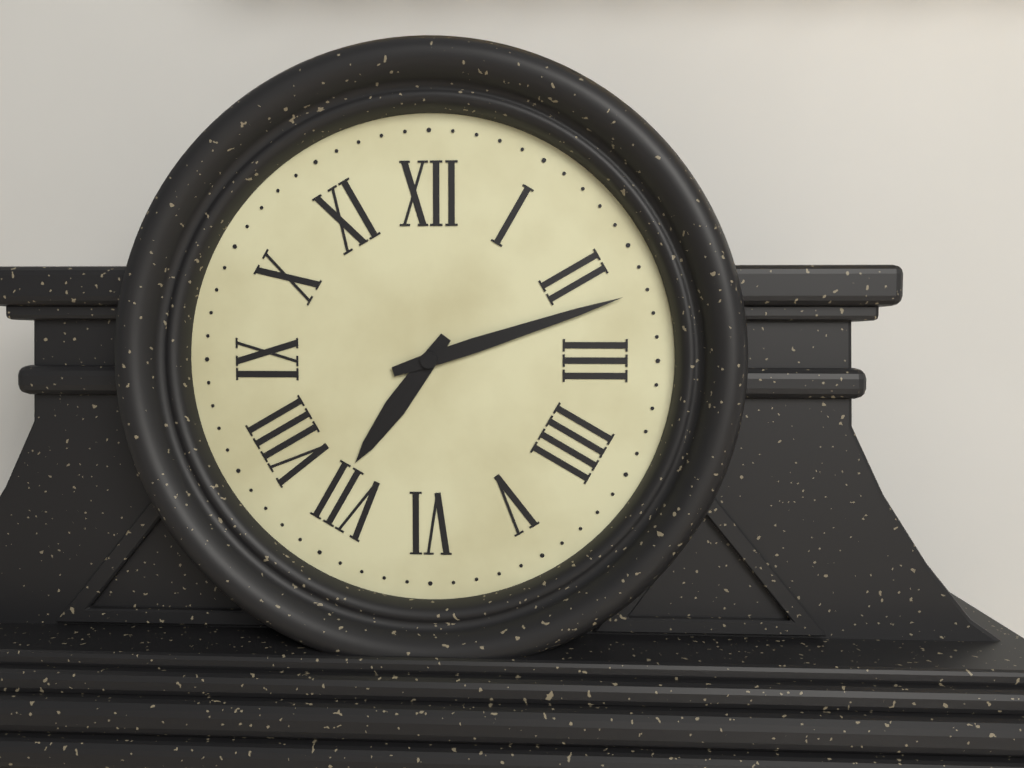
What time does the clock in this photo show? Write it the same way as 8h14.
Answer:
7h12
